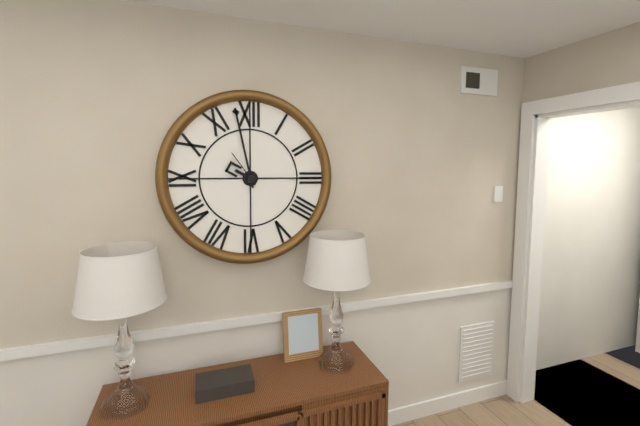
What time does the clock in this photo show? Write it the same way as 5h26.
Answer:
9h58
